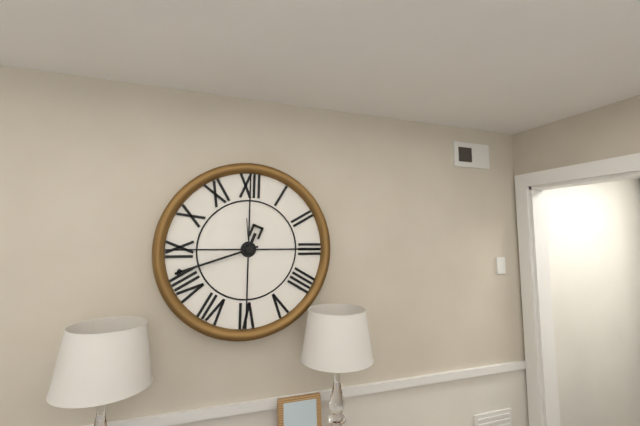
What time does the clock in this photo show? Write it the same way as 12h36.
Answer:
12h42
